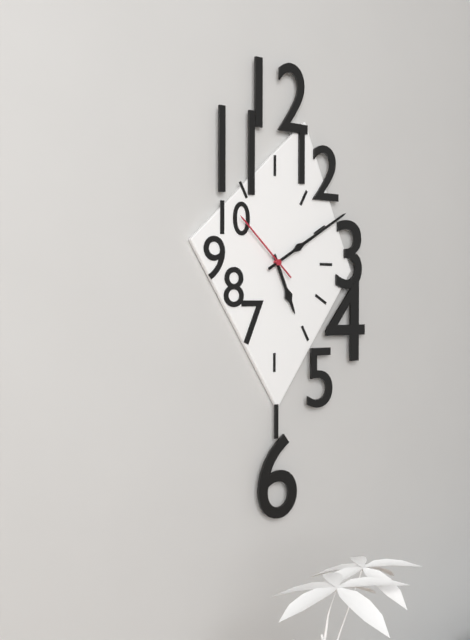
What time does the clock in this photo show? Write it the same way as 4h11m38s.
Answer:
5h10m52s
